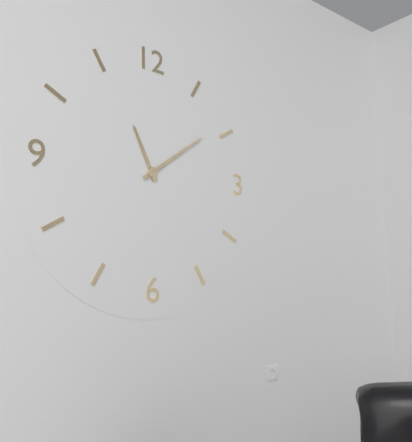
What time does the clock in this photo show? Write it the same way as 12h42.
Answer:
11h09
